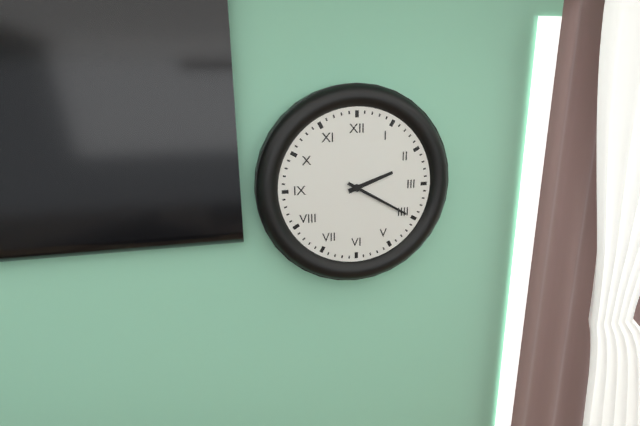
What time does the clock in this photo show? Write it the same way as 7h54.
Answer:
2h20
